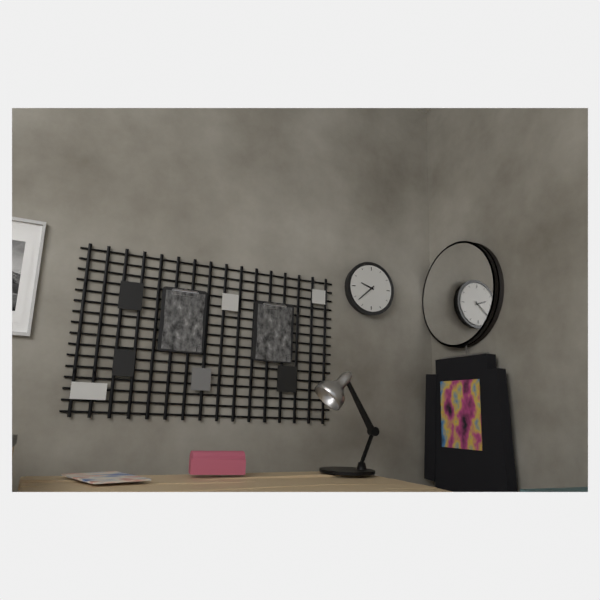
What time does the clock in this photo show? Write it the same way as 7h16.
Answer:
9h38
